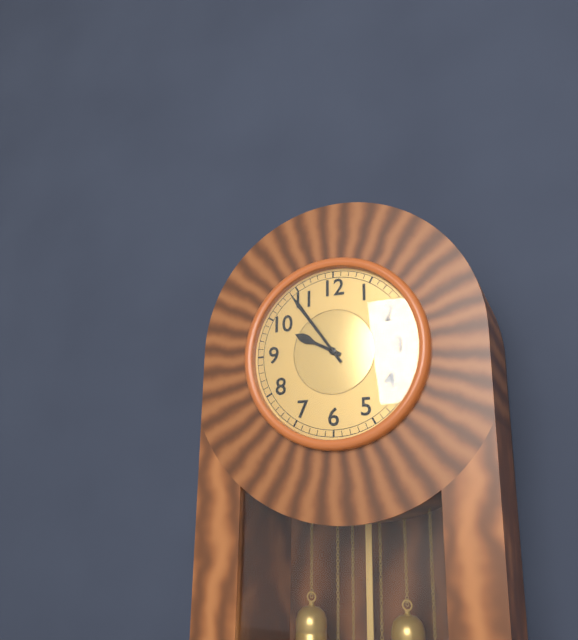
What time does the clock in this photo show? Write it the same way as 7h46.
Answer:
9h54
